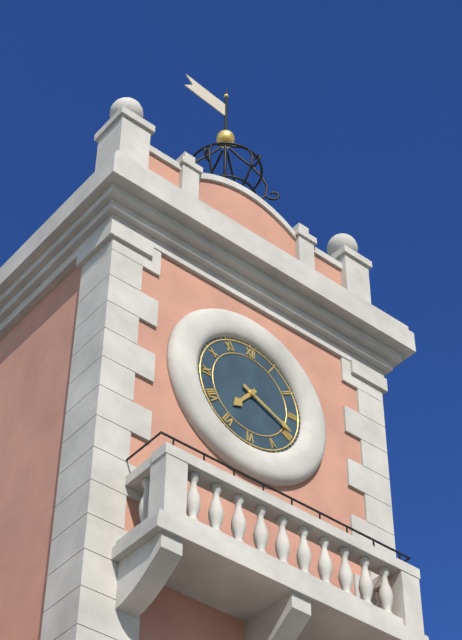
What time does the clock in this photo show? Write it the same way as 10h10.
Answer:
7h19
